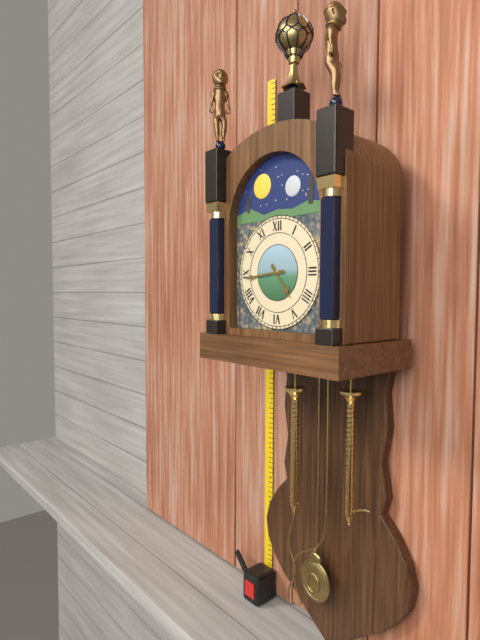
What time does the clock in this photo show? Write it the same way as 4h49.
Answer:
4h44
